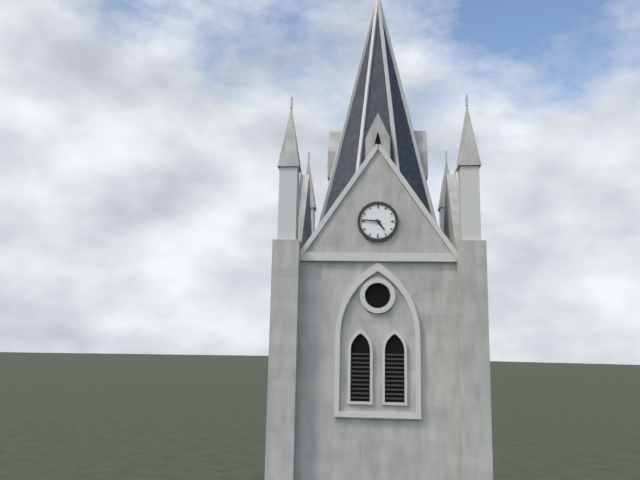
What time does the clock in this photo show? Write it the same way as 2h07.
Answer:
4h46
